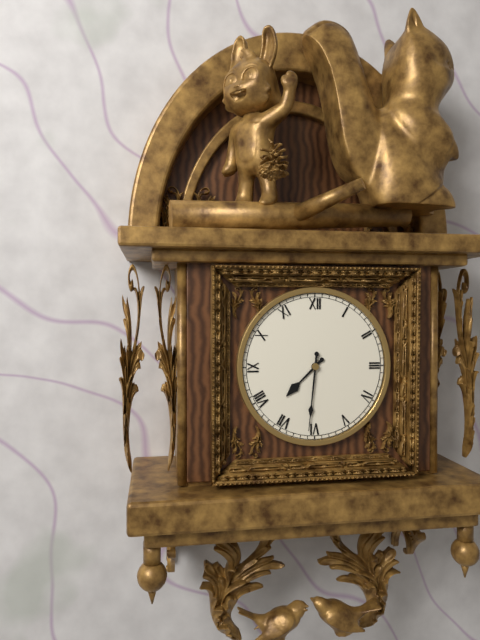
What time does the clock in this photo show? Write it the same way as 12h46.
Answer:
7h31
